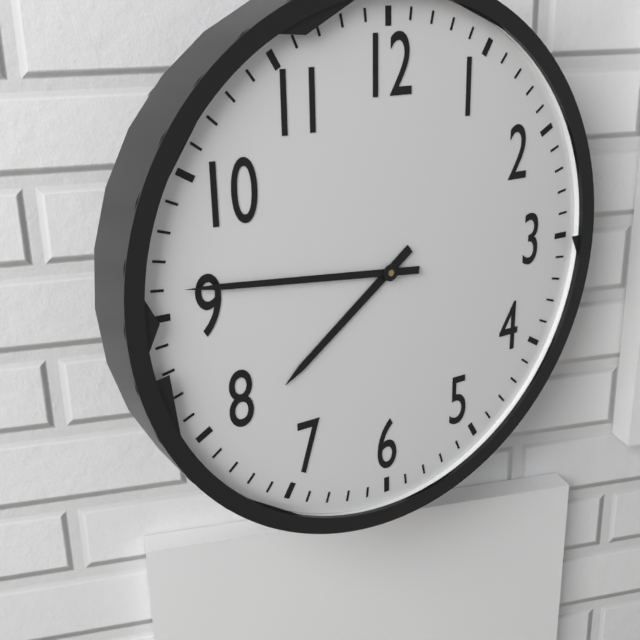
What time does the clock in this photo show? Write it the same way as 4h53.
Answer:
7h46
